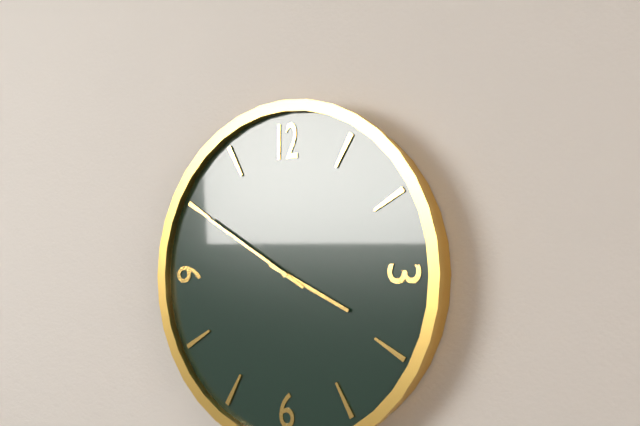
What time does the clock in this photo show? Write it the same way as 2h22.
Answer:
3h50
